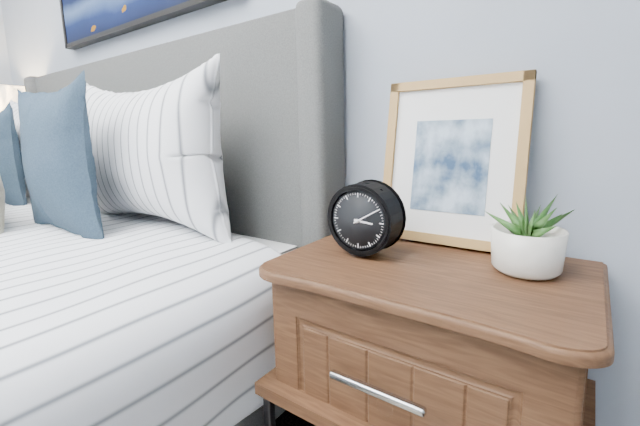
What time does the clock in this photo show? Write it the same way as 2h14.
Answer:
3h10
